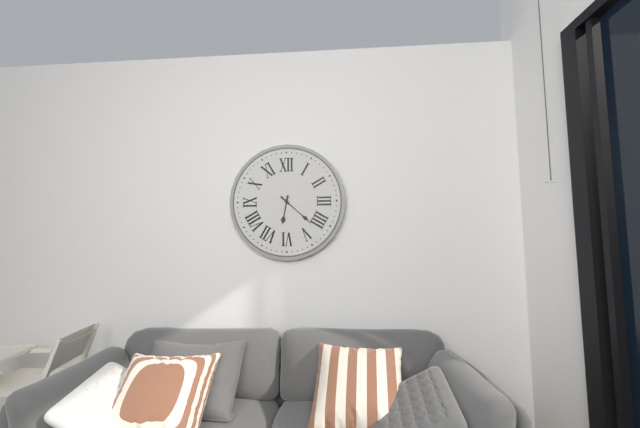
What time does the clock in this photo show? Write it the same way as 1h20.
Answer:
6h22
